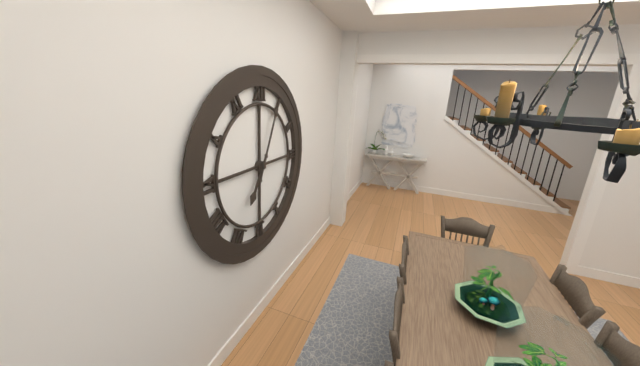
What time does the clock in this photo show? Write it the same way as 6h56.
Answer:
7h04
